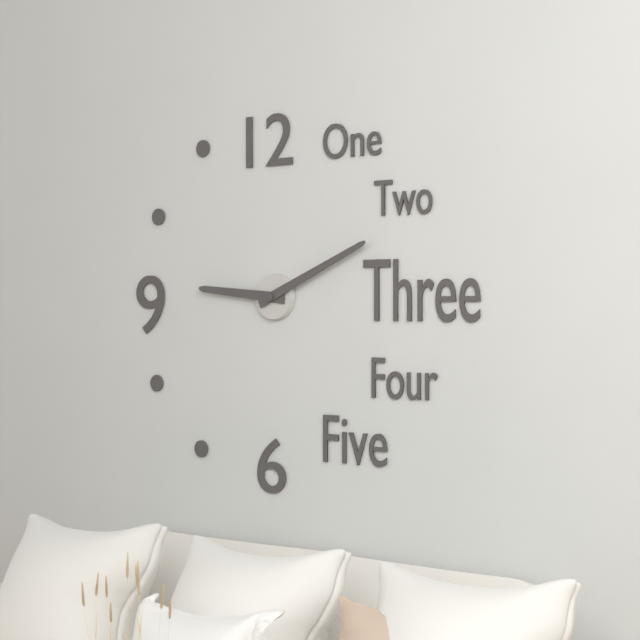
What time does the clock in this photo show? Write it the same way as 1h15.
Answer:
9h11
